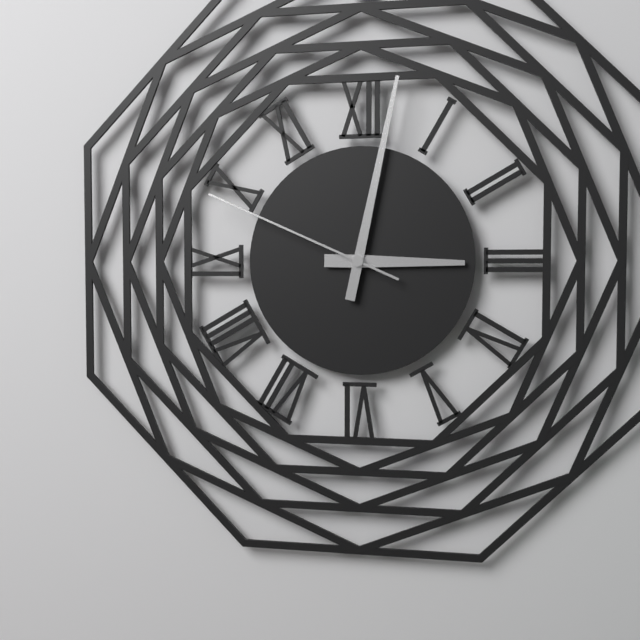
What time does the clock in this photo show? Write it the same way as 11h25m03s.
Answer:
3h02m49s
